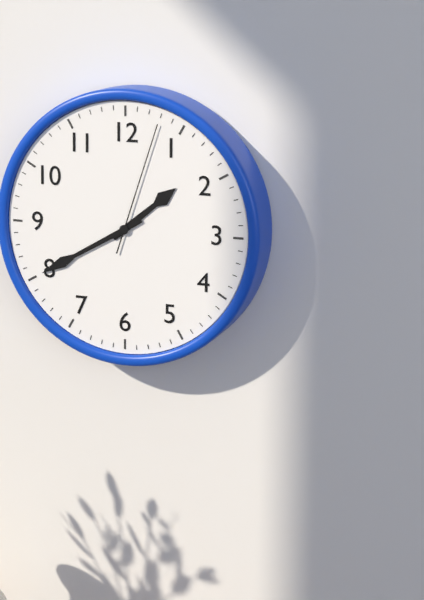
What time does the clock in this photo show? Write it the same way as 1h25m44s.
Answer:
1h40m03s
